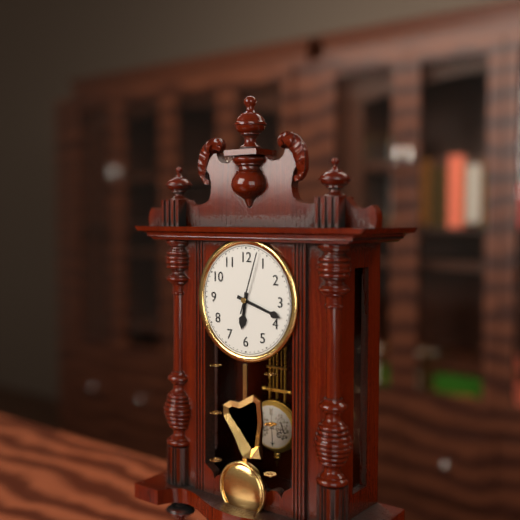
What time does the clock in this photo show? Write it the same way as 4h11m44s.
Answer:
6h18m03s
